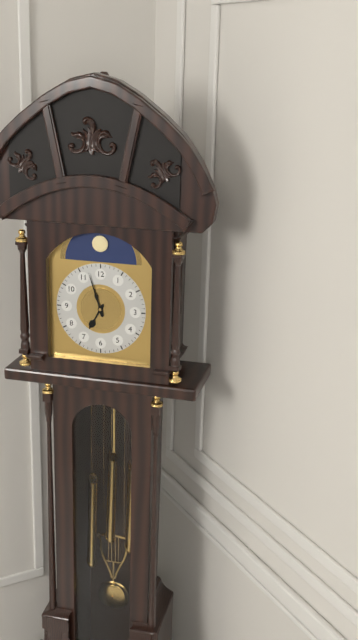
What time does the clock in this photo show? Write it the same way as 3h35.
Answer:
6h57
